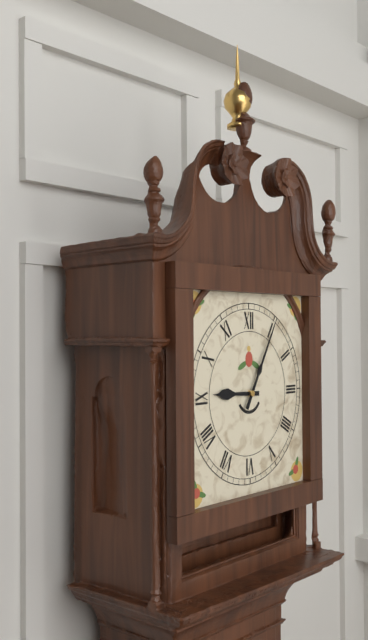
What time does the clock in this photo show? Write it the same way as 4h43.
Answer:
9h05
